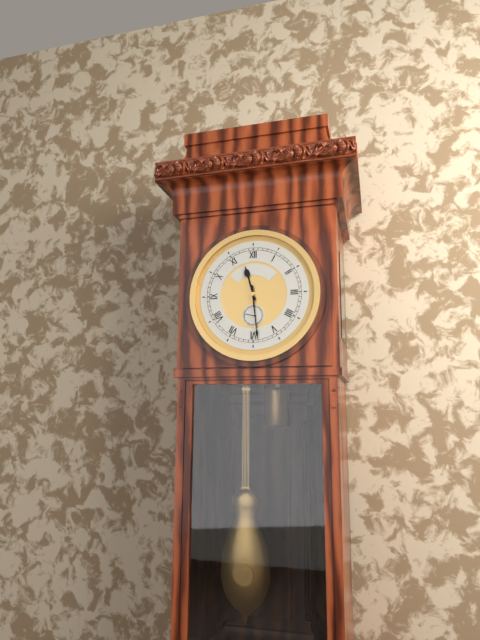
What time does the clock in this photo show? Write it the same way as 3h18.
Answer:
11h29
